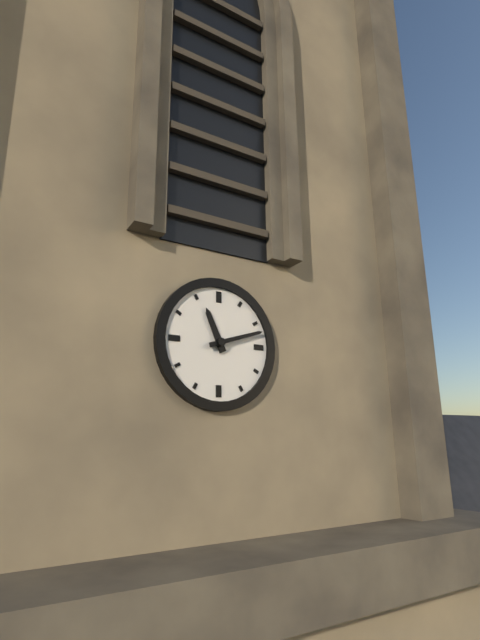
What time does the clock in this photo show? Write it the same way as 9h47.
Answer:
11h12
